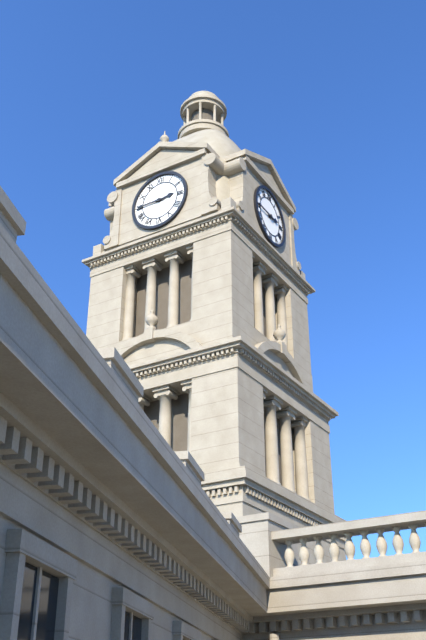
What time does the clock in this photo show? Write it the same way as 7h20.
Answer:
2h45
